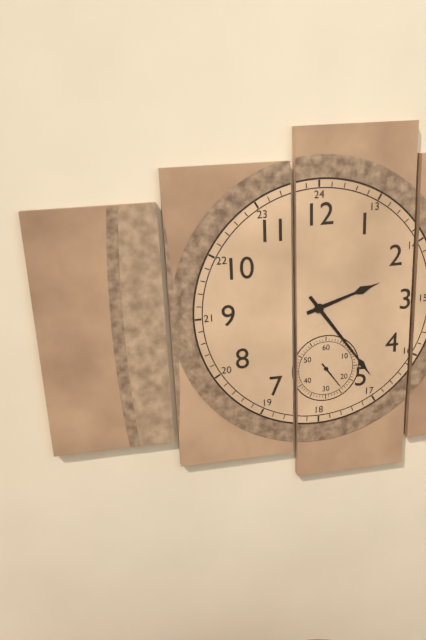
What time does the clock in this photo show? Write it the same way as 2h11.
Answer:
2h24
